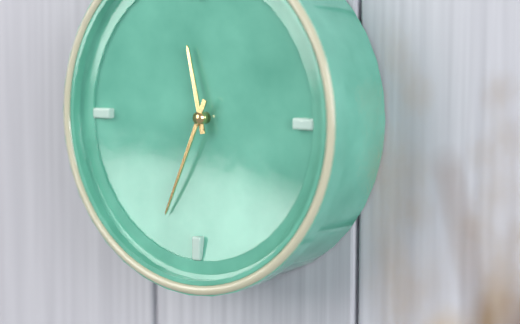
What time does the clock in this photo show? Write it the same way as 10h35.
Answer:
11h34
